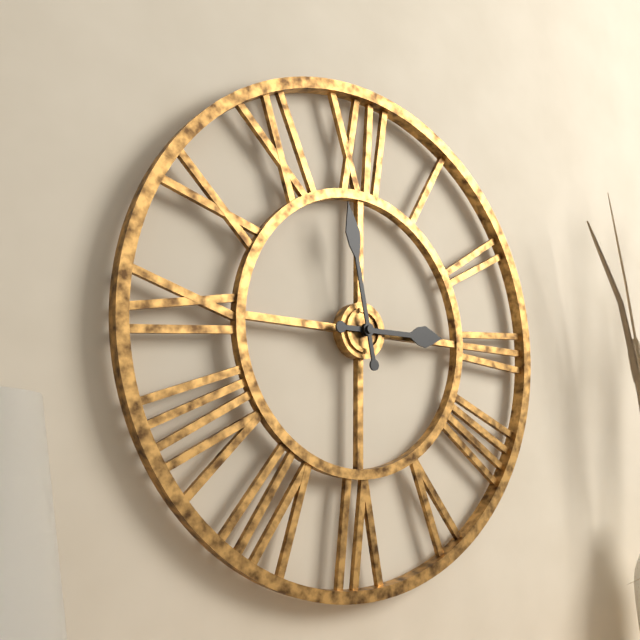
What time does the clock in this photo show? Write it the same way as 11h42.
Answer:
2h58
